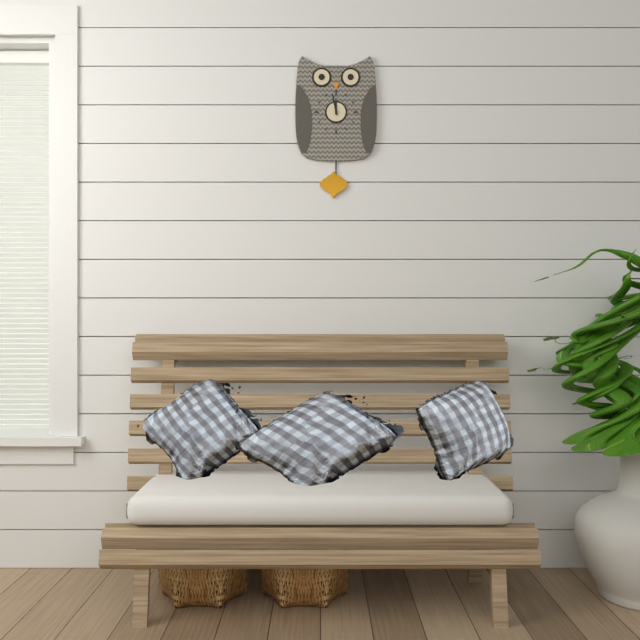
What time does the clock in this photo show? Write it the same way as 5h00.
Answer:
11h58
